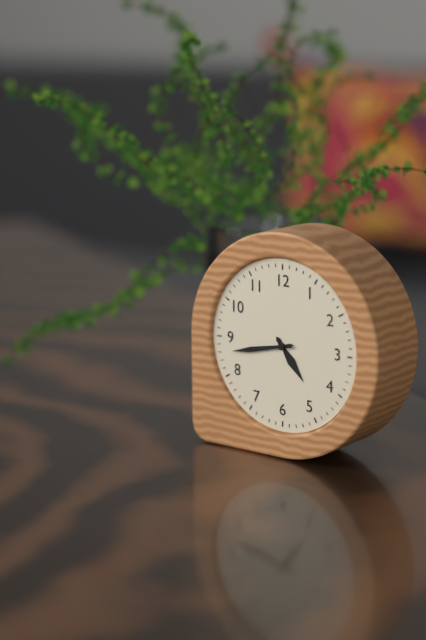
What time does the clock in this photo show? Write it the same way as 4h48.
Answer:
4h43
